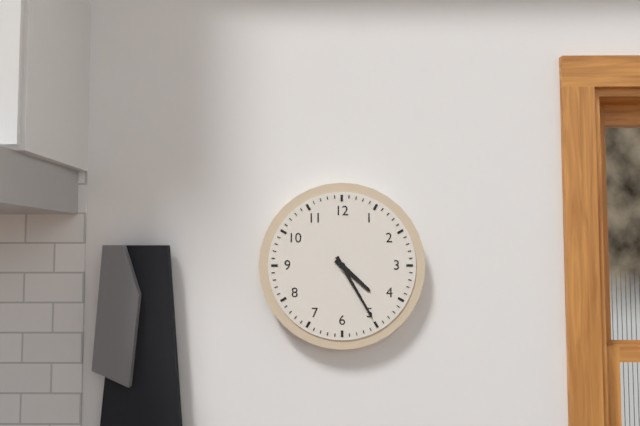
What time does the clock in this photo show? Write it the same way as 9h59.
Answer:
4h25
